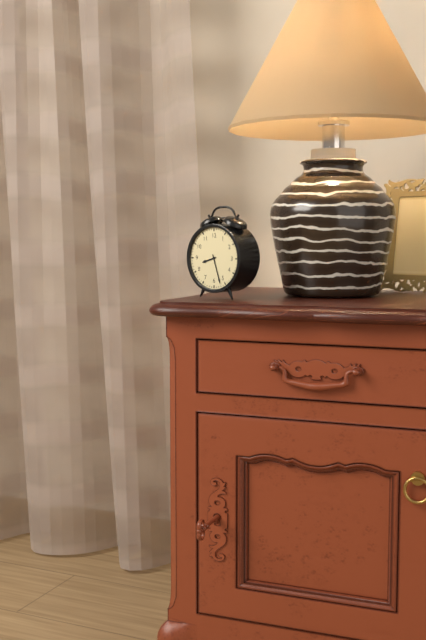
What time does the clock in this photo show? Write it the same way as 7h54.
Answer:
8h27
